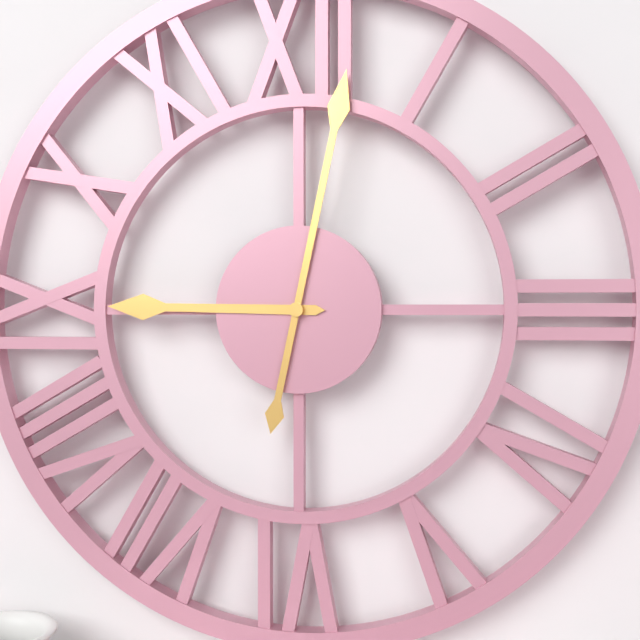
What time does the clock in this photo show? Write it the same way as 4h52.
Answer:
9h02
